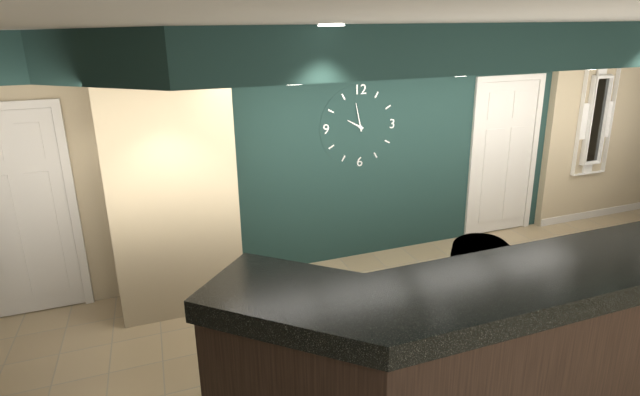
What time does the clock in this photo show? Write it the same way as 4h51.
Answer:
9h58
